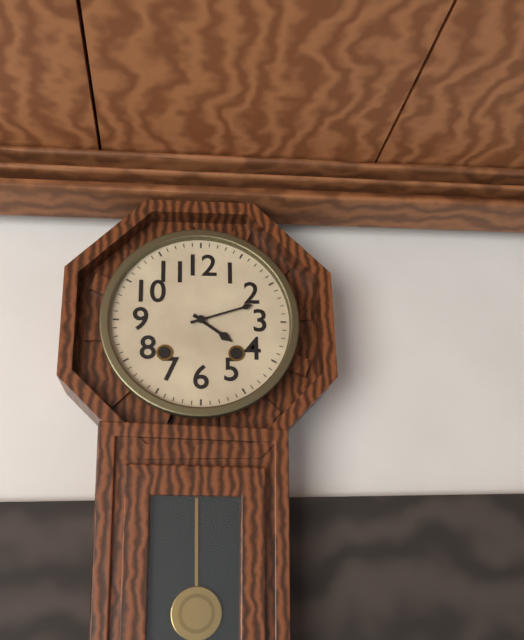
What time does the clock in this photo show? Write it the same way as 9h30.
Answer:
4h12
